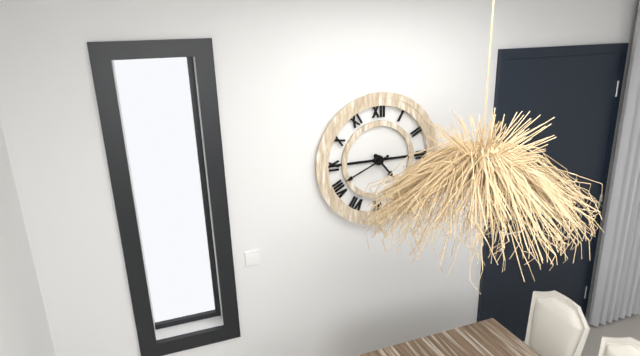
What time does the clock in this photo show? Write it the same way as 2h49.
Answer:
4h41
